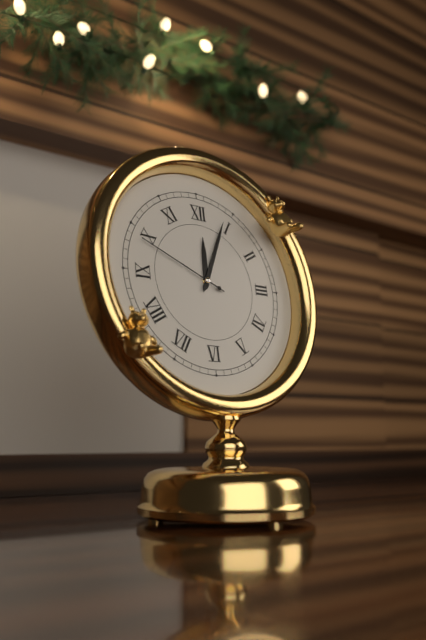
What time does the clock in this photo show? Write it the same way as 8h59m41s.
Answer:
12h04m49s
